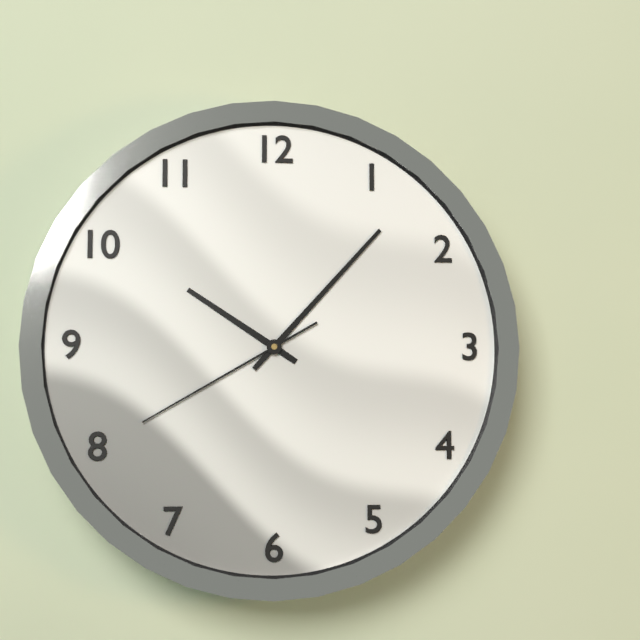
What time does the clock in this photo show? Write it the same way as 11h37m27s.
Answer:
10h07m40s
